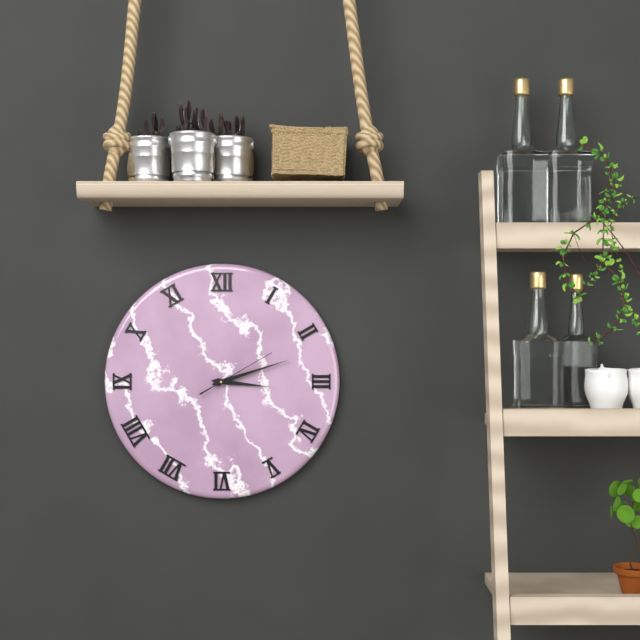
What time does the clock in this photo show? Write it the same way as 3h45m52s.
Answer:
3h12m10s
